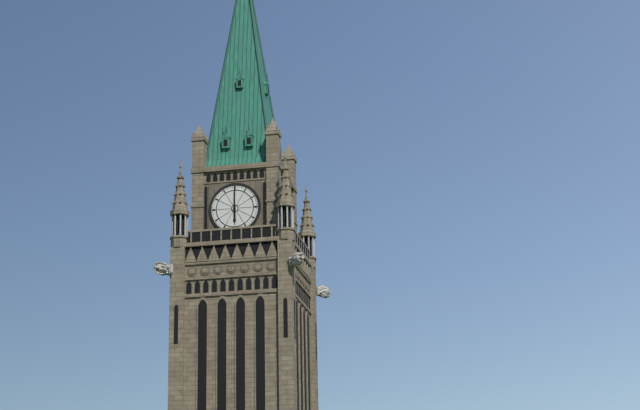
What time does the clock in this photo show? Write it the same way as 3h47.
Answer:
6h00
